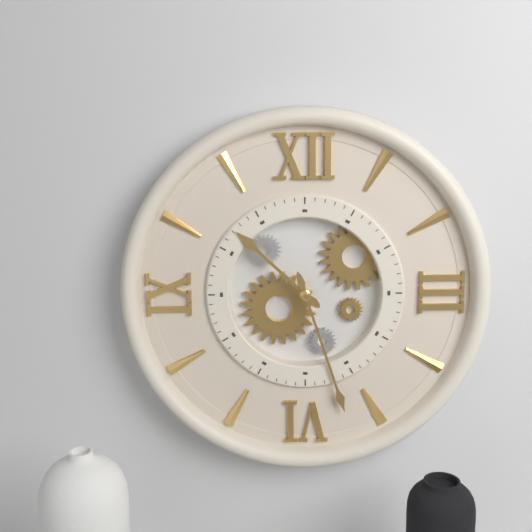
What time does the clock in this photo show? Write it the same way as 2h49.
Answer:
10h27
